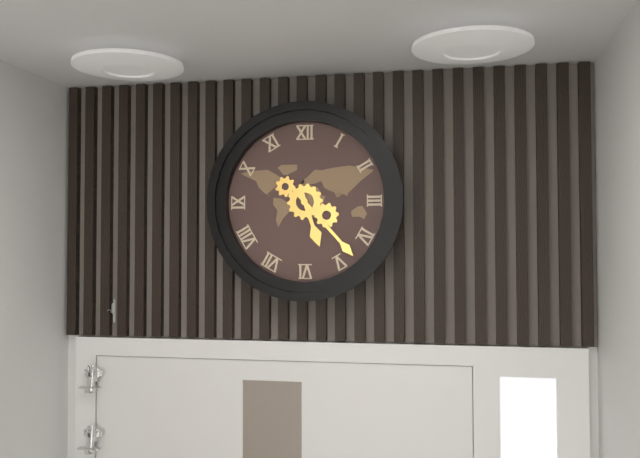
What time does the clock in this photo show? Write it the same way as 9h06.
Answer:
5h23
